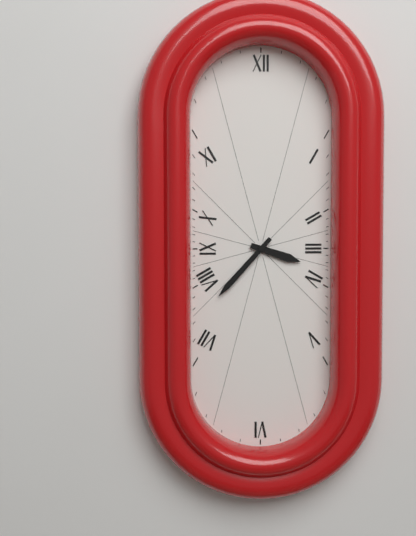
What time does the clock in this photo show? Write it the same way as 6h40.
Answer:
3h37
